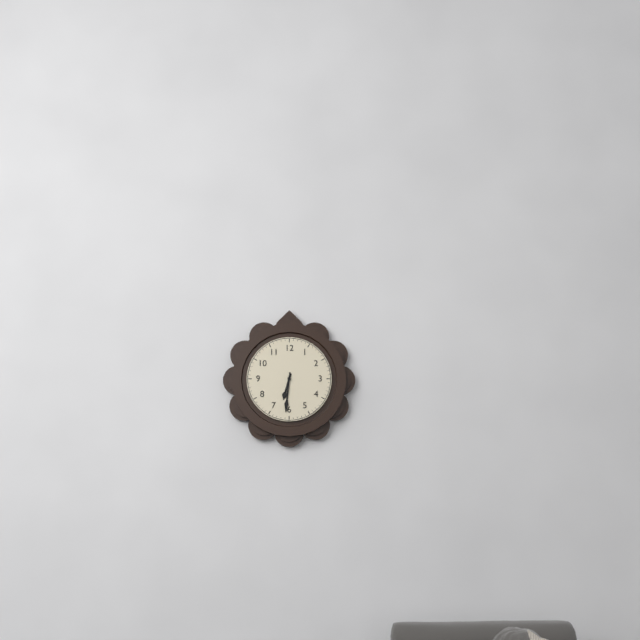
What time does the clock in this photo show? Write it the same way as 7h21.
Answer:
6h31
